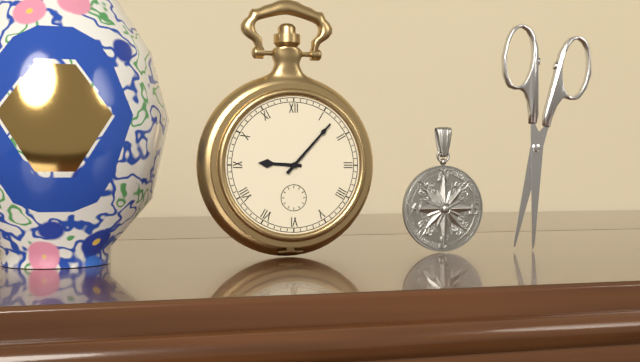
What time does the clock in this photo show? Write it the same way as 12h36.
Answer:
9h07
